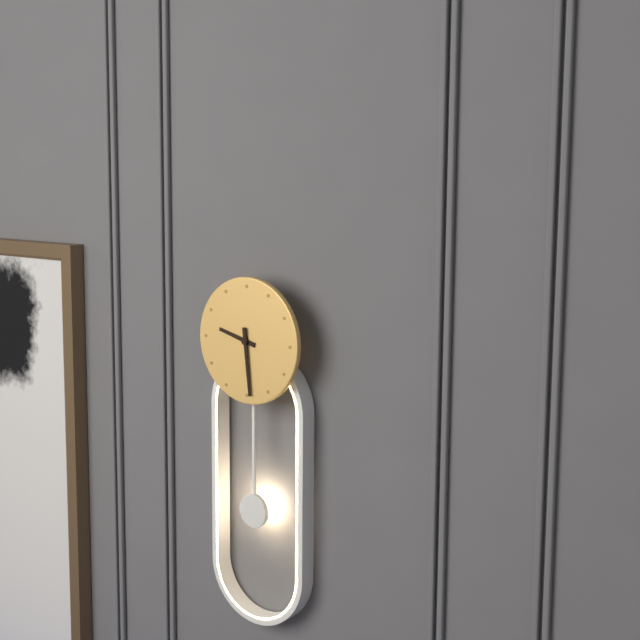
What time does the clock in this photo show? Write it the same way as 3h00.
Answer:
9h29
